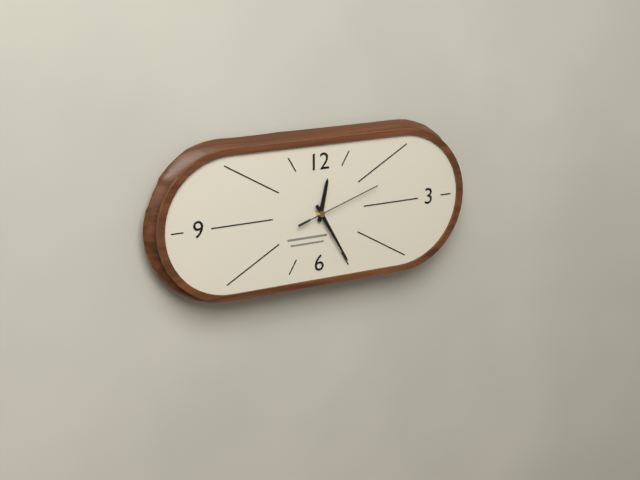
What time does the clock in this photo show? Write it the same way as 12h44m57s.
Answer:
12h25m12s
